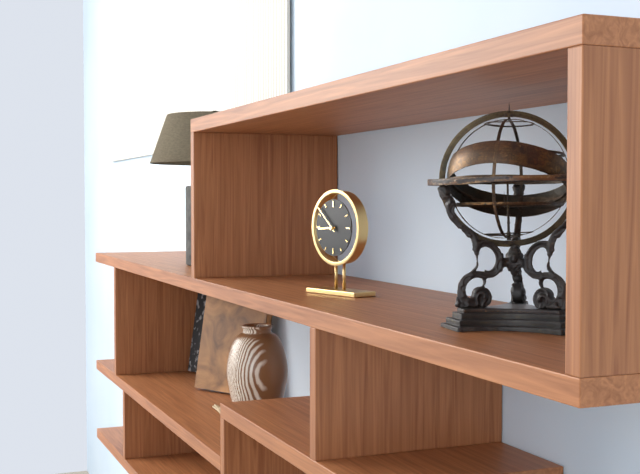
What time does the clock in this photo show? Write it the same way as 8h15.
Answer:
8h52
